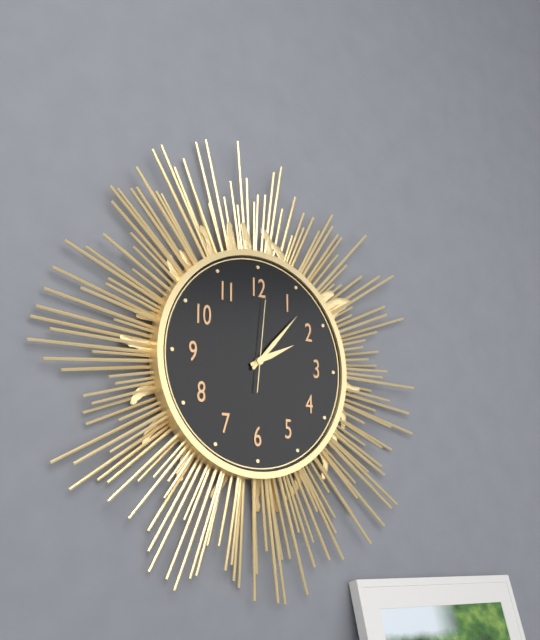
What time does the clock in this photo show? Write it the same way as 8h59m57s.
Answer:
2h07m01s
